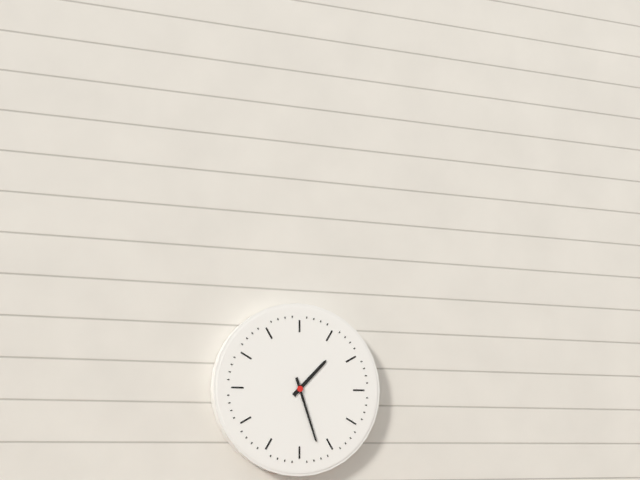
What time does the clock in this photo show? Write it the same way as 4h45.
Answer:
1h27
